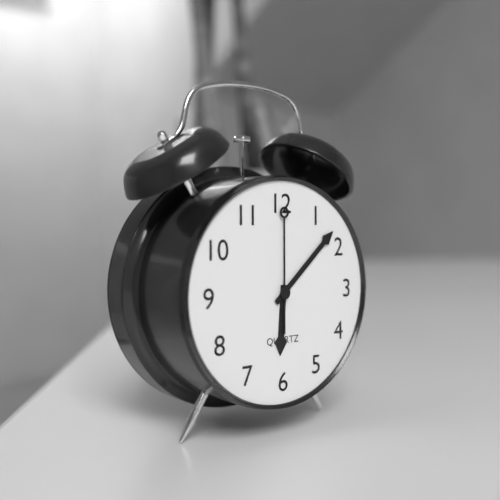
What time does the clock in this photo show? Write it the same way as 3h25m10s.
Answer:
6h08m00s
